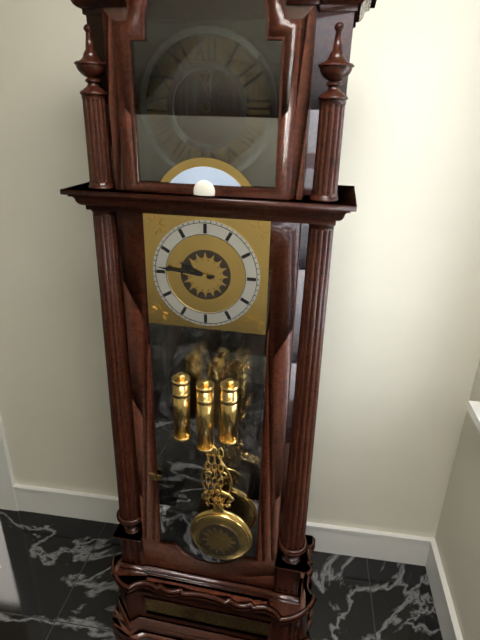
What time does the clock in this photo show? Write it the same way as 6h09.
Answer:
9h46
